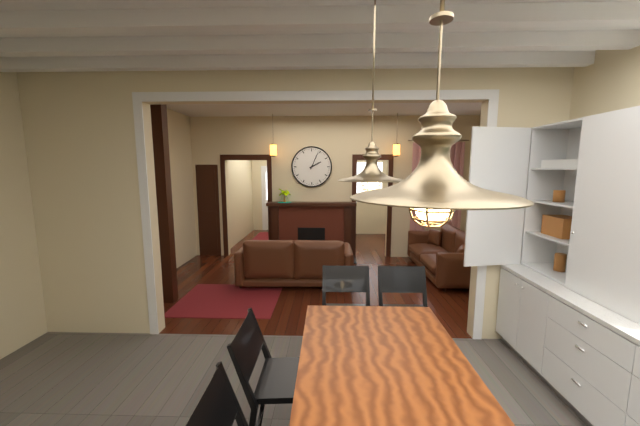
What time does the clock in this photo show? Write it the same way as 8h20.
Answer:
2h04
